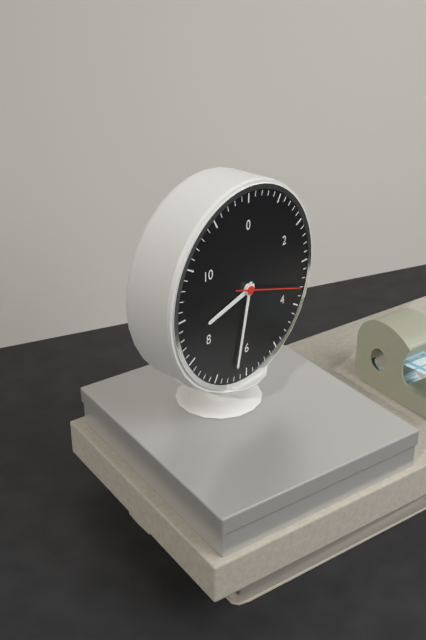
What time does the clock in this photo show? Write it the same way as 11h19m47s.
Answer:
8h32m18s
